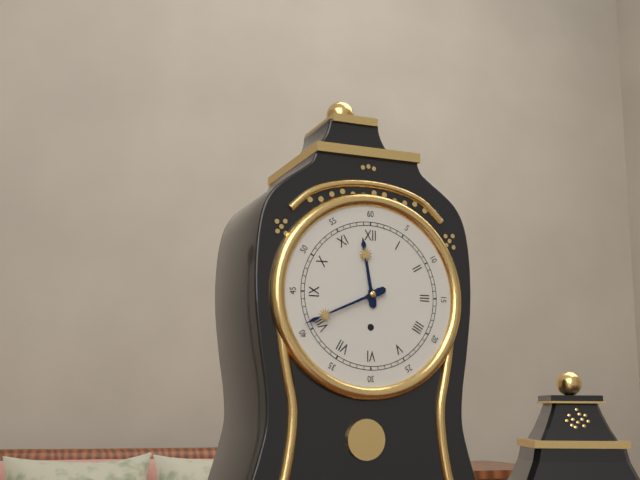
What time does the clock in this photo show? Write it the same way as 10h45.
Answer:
11h41
